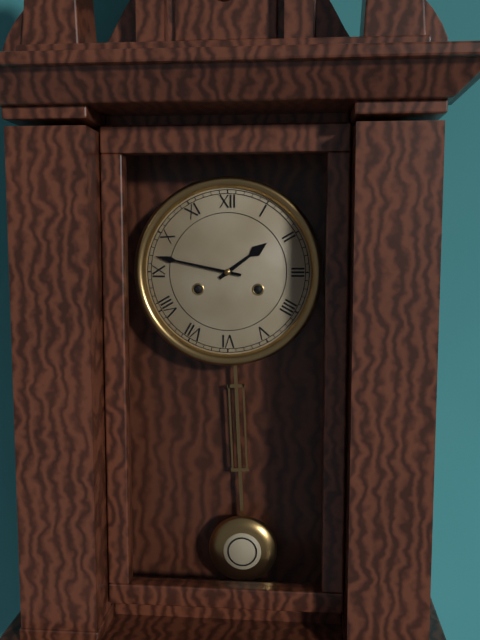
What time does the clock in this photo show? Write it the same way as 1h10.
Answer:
1h47
